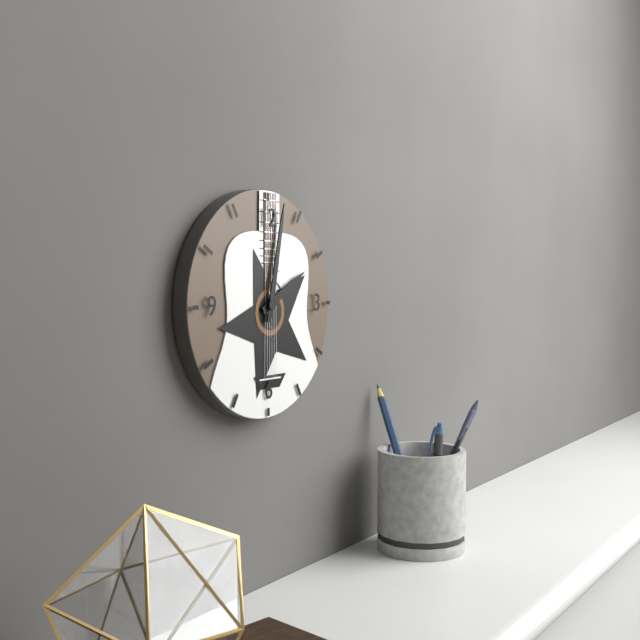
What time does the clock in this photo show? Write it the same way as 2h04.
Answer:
2h02
